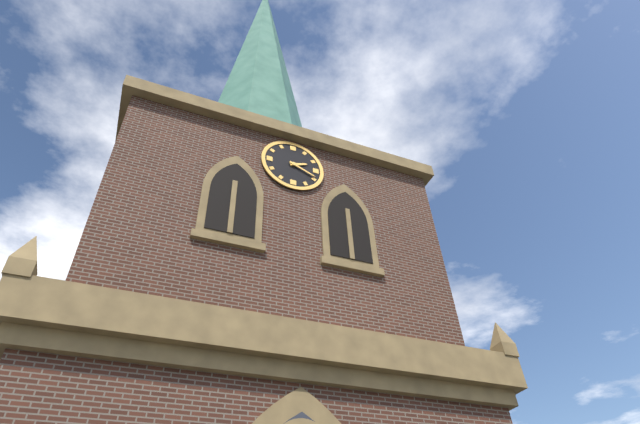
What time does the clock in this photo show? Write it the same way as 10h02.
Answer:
2h19
